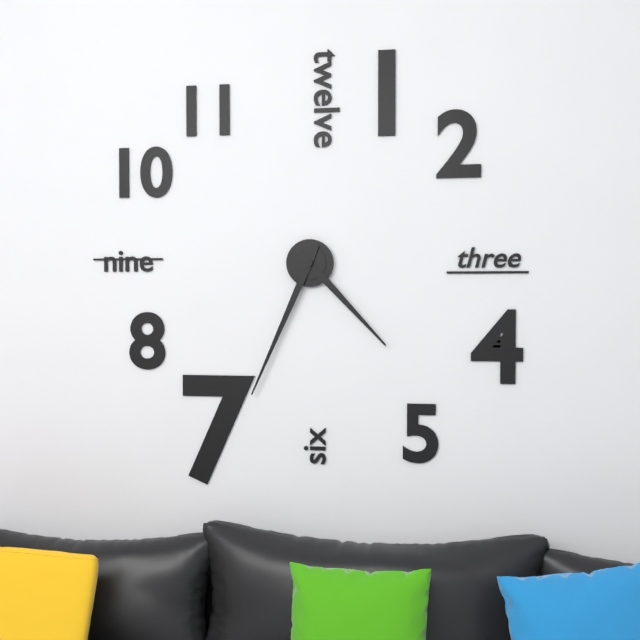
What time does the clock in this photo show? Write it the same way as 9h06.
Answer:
4h34
